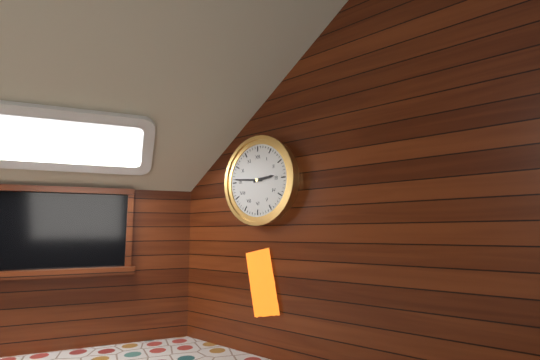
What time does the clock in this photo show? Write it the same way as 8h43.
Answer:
2h46
